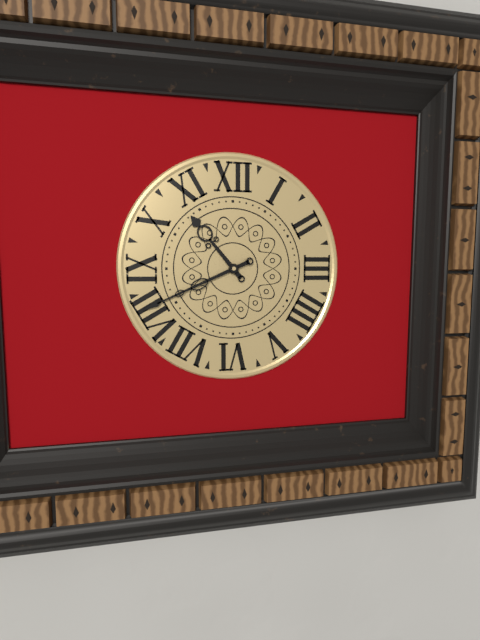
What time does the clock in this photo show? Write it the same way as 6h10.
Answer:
10h41
